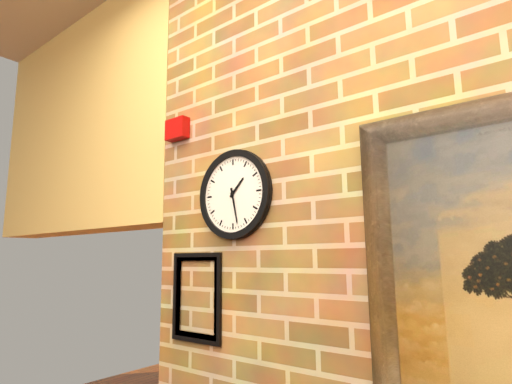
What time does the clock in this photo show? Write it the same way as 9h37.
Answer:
1h28
